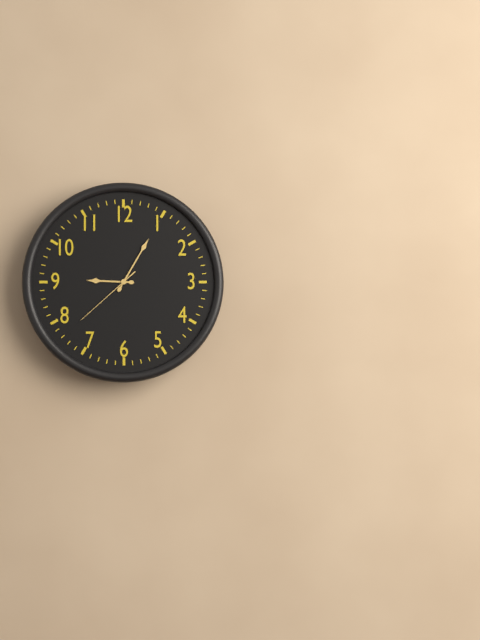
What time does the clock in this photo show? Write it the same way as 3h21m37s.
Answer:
9h05m38s
